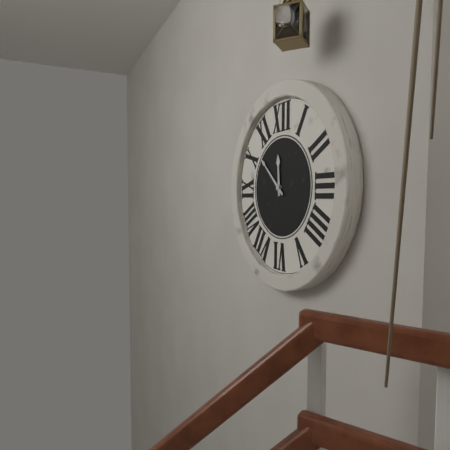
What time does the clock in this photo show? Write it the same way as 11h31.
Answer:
11h52
